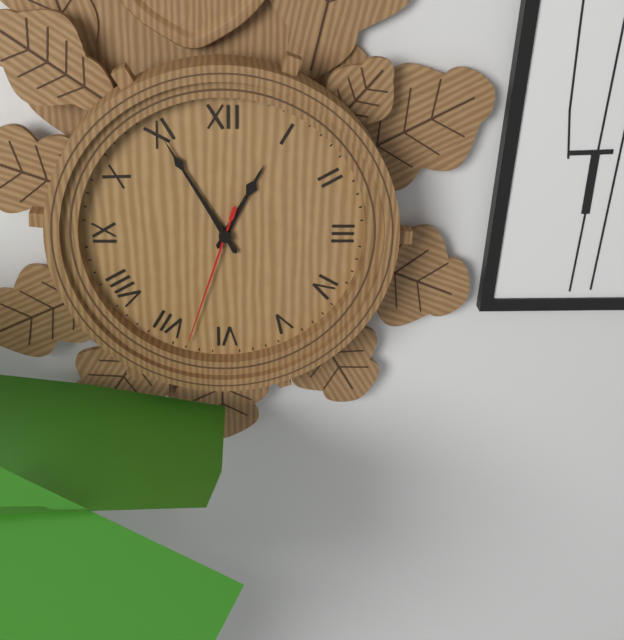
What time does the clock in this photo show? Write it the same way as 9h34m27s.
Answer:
12h55m33s
